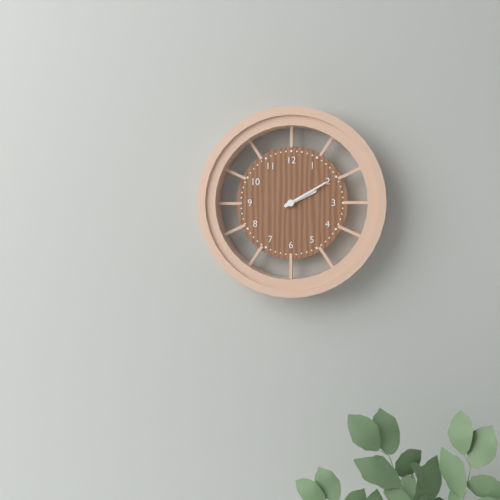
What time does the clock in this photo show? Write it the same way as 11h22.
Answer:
2h10
